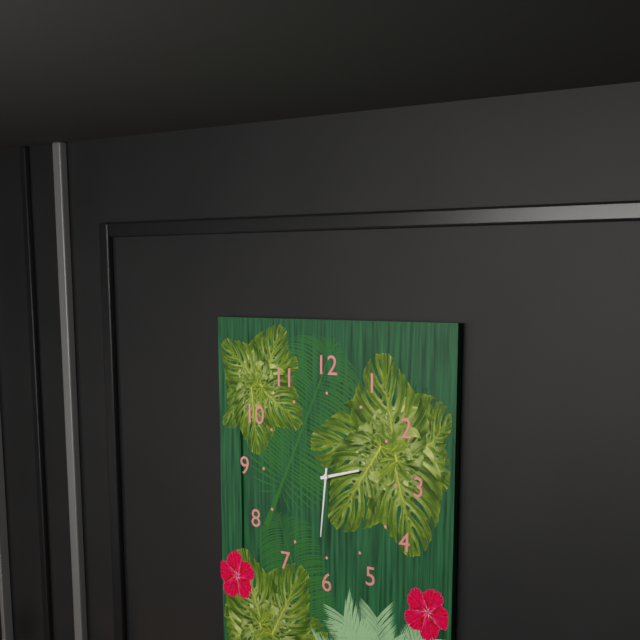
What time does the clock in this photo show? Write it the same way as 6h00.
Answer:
2h31
